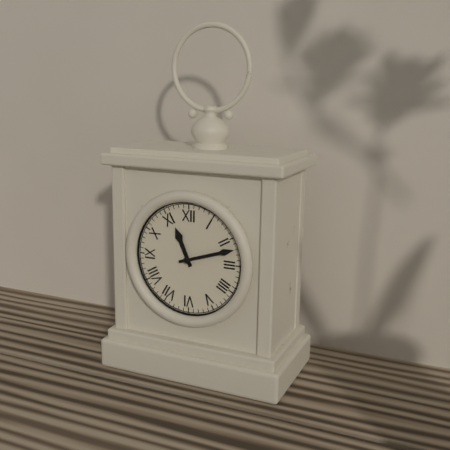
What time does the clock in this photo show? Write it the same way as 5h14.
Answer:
11h12
